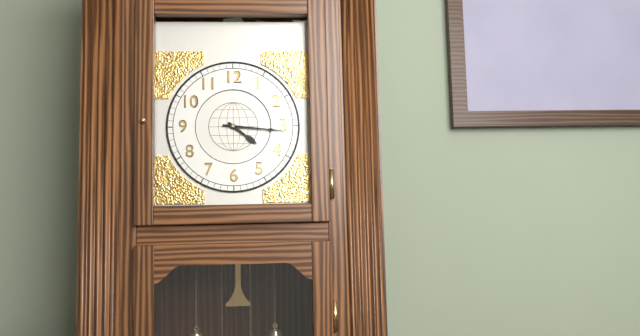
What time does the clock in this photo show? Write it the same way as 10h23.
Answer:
4h16
